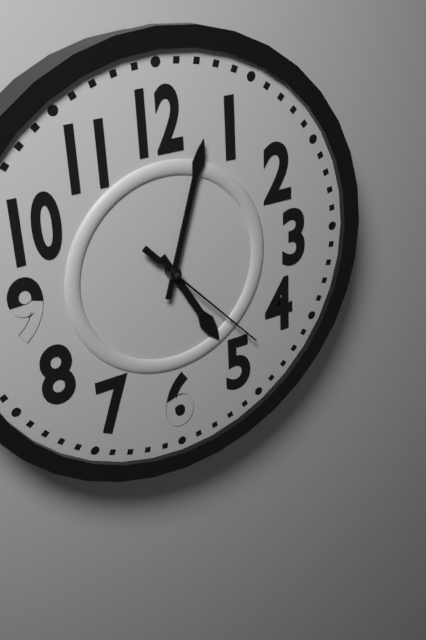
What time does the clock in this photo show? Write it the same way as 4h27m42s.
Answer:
5h03m23s
